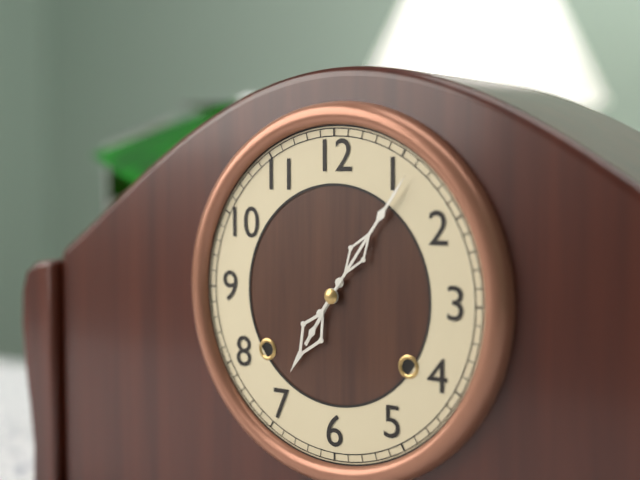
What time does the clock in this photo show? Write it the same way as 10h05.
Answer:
7h06
